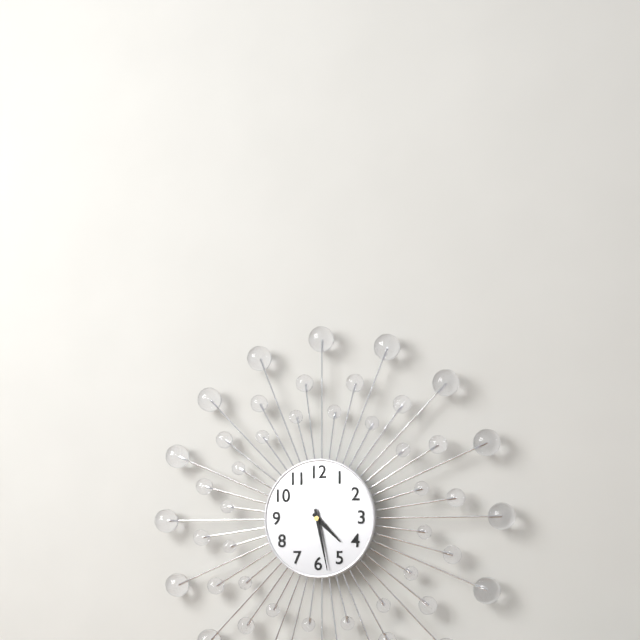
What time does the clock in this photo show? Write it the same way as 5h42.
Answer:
4h28
